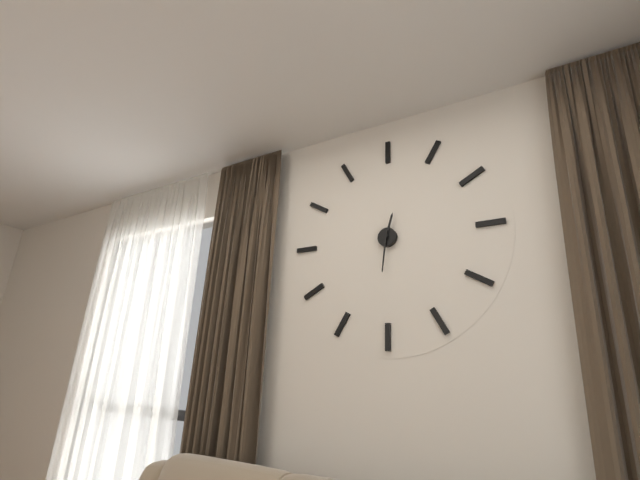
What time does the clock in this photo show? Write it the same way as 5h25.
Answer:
12h31
